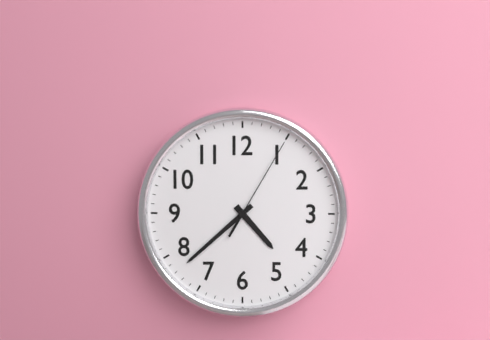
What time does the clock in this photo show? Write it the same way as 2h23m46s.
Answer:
4h38m05s
